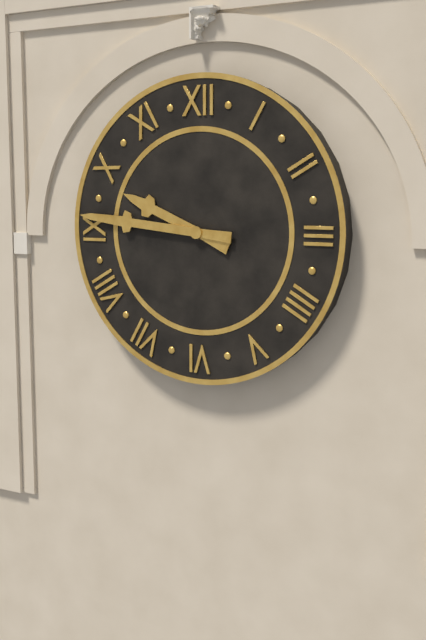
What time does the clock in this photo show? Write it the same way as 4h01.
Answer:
9h46
